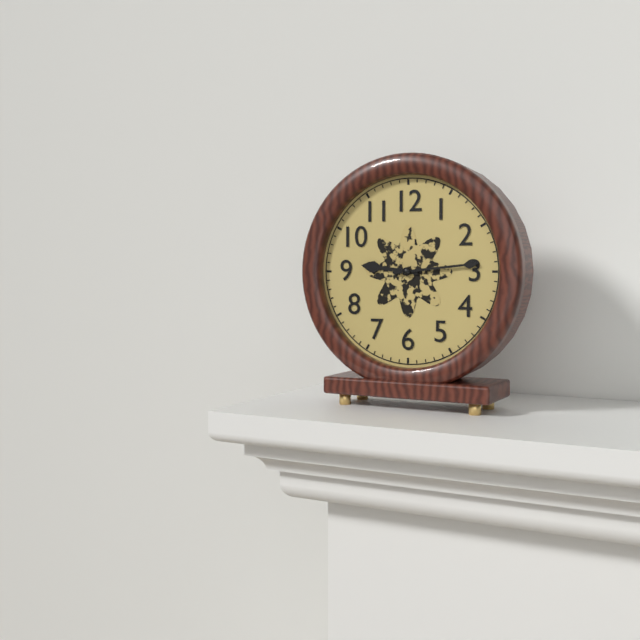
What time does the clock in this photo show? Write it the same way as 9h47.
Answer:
9h14
